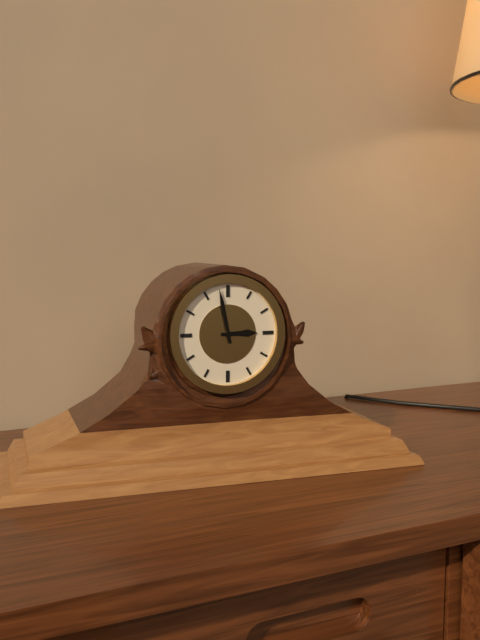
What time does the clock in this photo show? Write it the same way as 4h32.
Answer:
2h58
